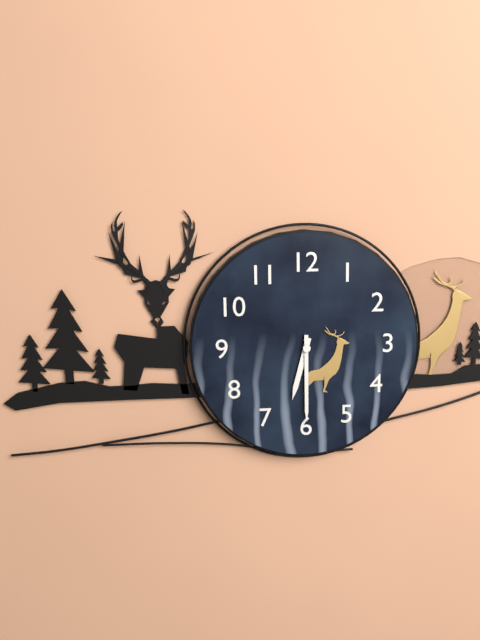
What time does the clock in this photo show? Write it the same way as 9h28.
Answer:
6h30
